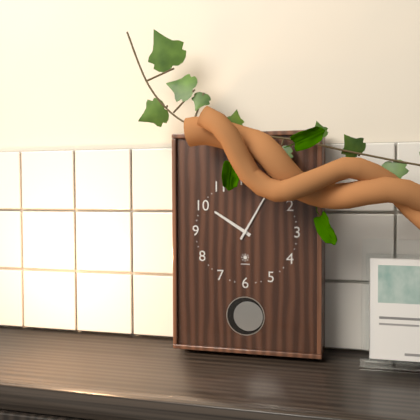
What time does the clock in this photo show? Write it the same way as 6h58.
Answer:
10h05
